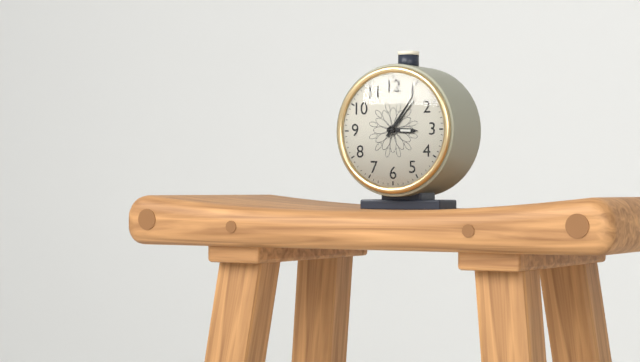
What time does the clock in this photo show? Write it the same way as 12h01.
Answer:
3h06
